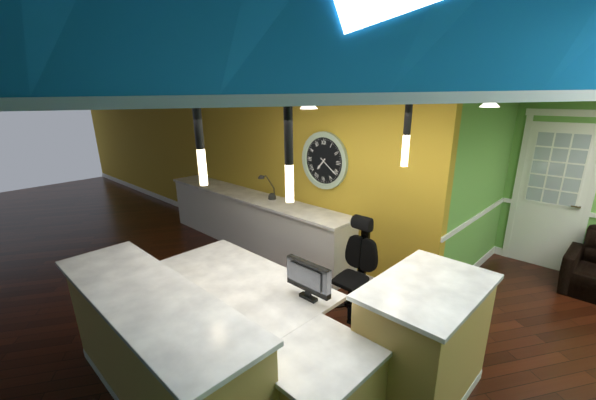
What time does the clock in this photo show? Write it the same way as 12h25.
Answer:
7h21
